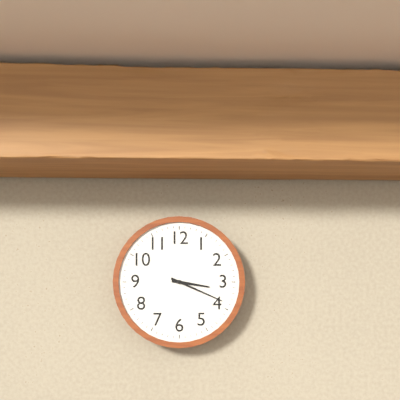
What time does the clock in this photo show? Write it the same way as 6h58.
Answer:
3h19
